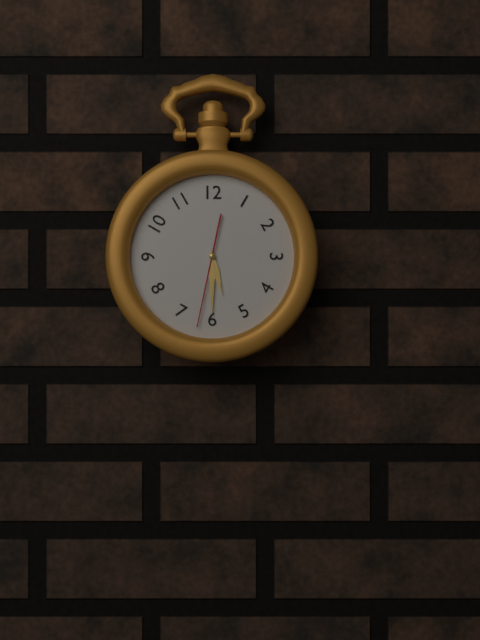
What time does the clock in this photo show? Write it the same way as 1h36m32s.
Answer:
5h30m32s
